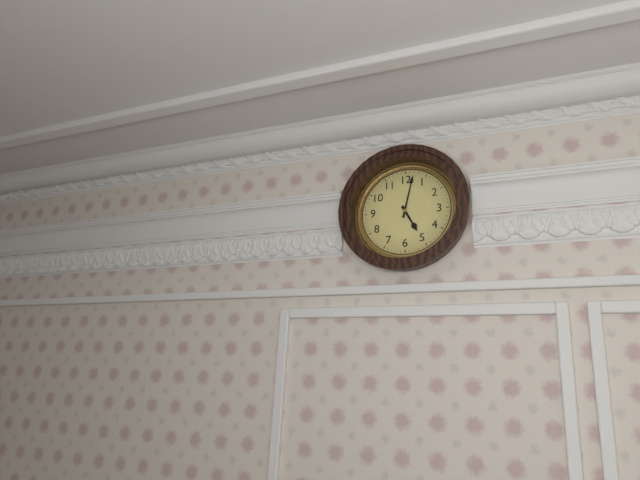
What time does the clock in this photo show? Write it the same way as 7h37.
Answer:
5h02
